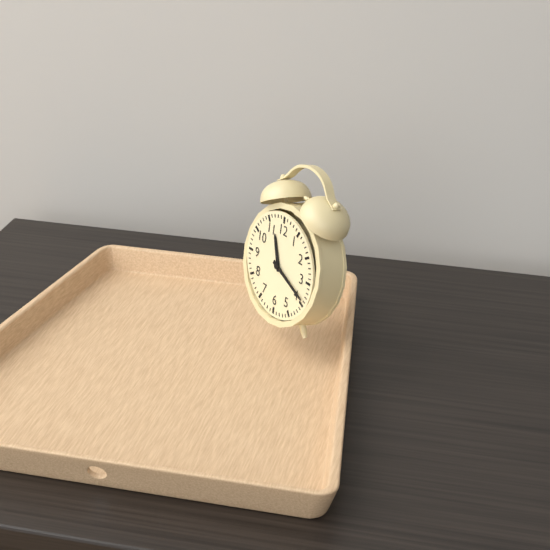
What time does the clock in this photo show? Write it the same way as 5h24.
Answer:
11h19
